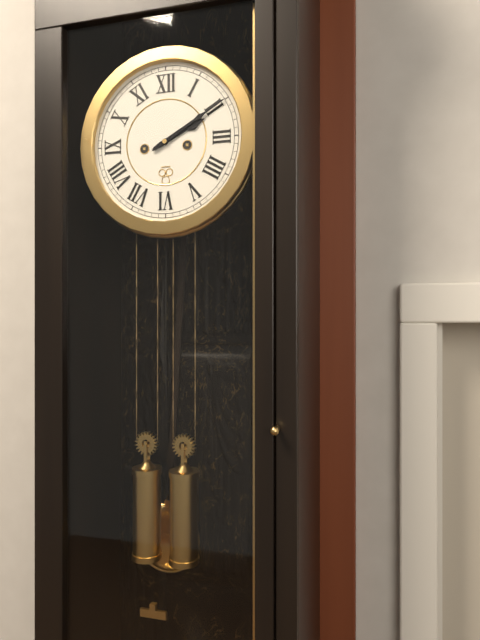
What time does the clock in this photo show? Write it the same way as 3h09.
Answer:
2h10
